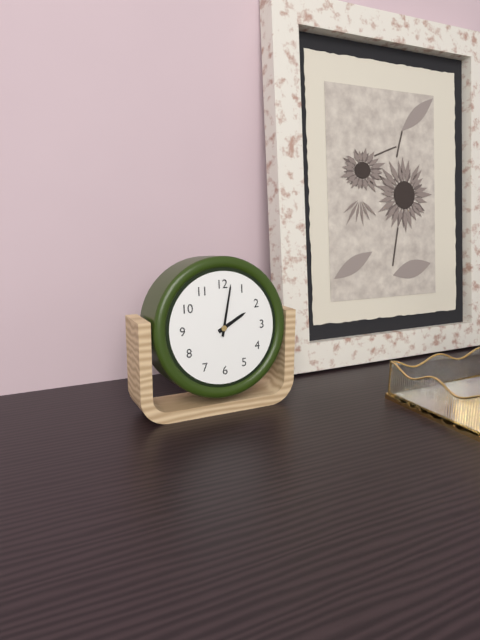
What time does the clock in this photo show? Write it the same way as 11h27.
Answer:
2h02
